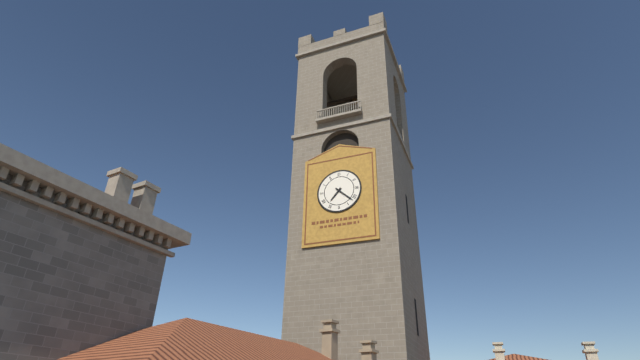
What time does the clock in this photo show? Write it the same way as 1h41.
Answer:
7h22
